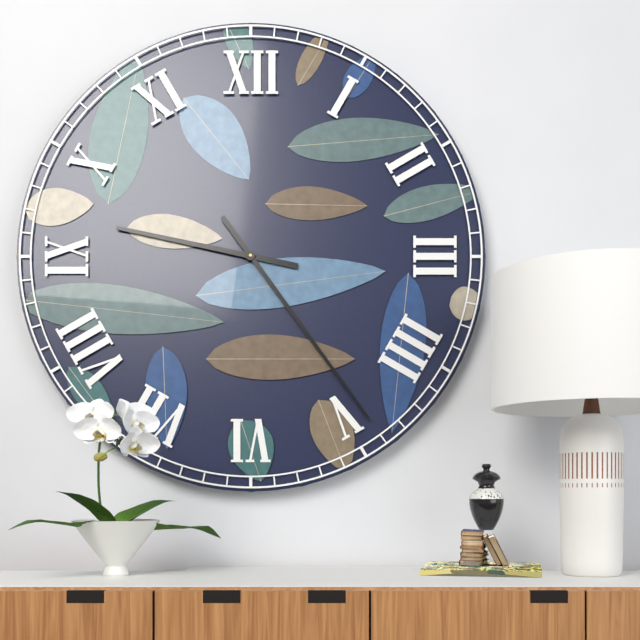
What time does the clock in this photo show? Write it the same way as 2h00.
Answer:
9h24
